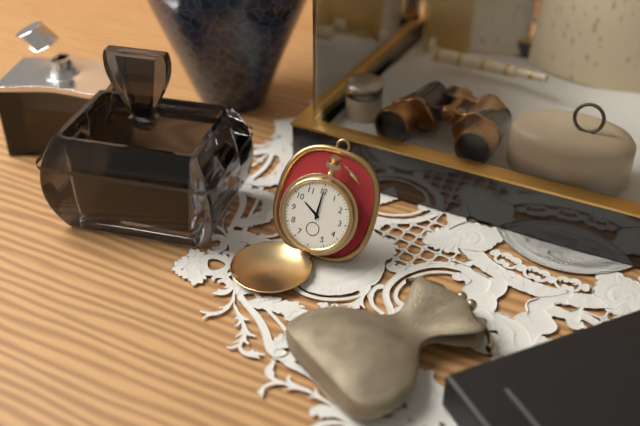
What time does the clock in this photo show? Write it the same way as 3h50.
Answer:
10h00
